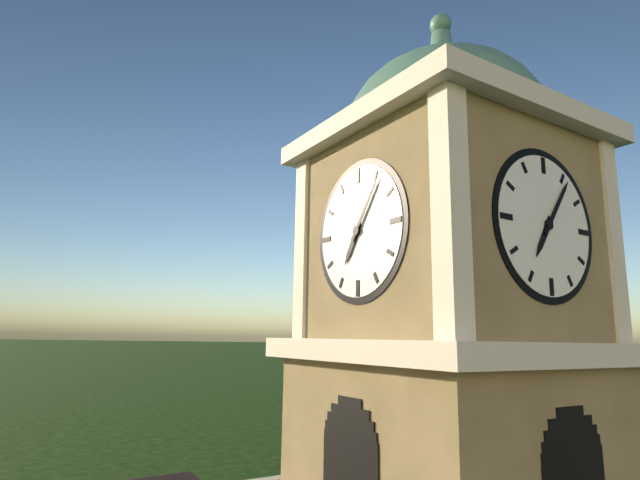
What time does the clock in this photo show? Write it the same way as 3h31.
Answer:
7h06
